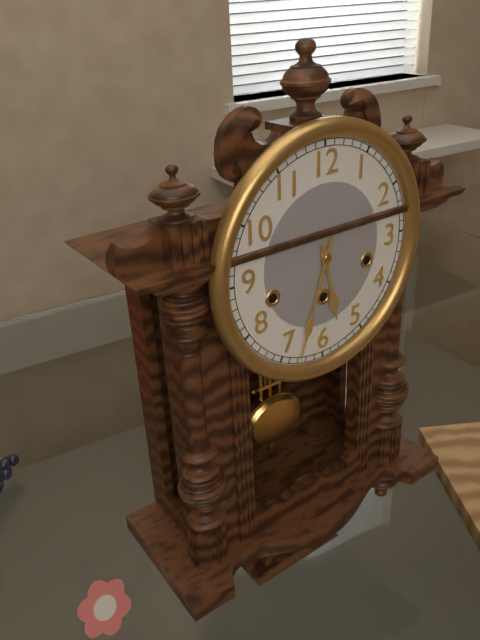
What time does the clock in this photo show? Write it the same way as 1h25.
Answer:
5h33
